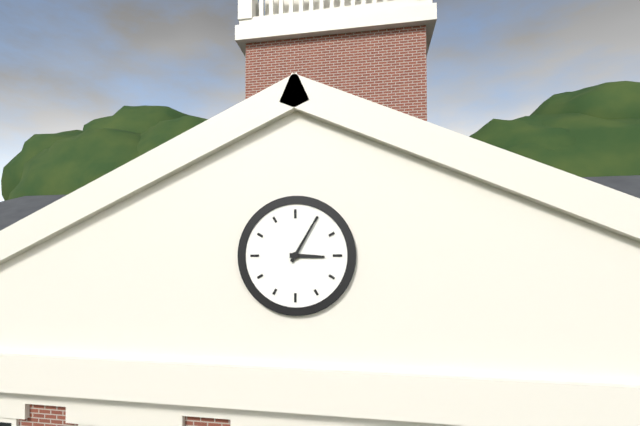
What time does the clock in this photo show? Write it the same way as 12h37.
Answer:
3h05
